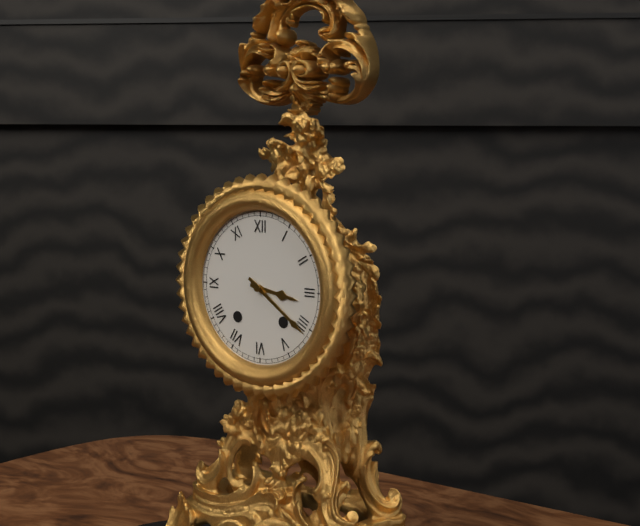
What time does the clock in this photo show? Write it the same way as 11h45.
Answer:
3h21
